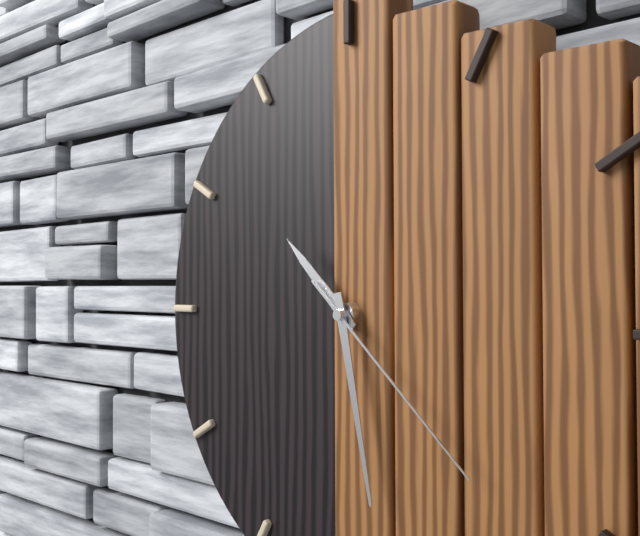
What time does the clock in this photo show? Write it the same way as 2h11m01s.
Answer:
10h28m22s
